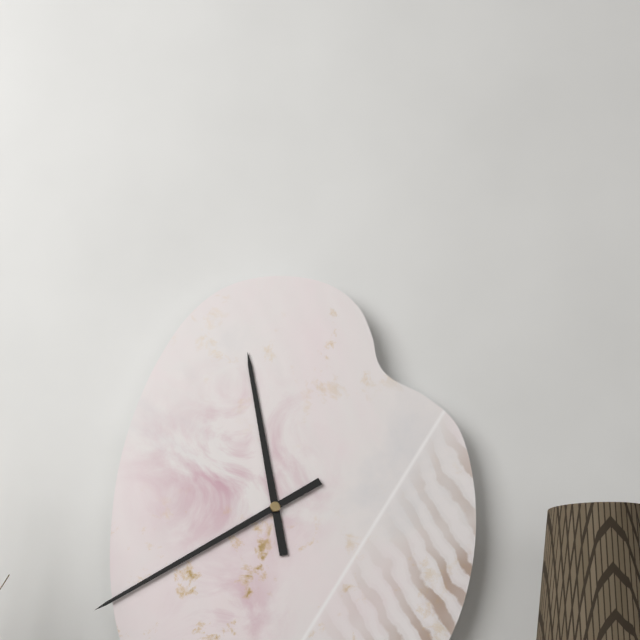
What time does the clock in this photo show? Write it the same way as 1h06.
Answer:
11h40
